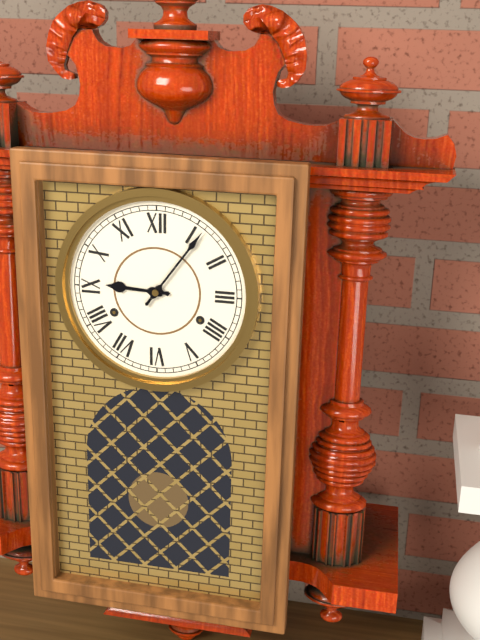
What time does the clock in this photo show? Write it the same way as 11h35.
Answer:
9h06
